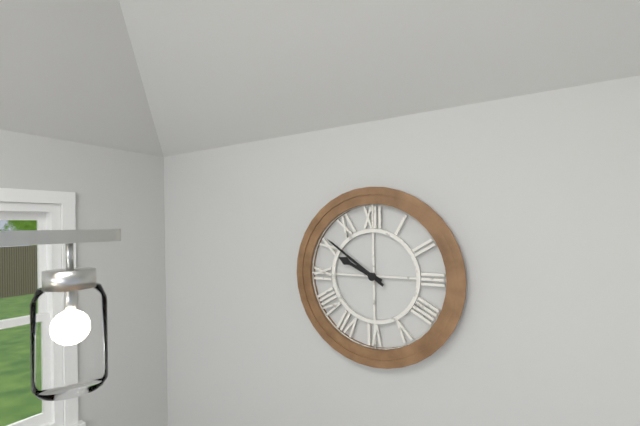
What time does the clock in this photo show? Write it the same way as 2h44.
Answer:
9h51
